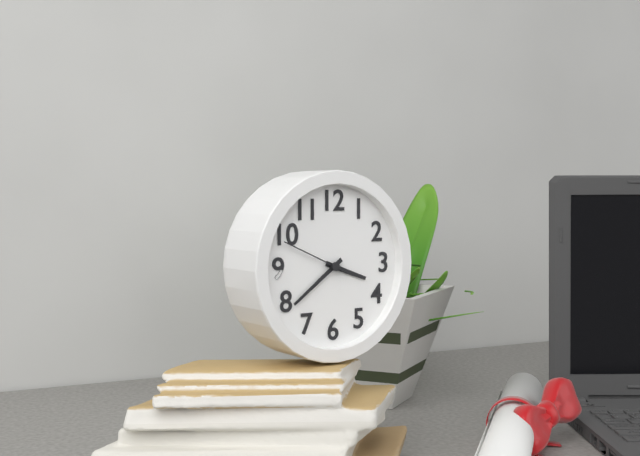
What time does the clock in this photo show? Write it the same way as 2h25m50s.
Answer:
3h39m49s
